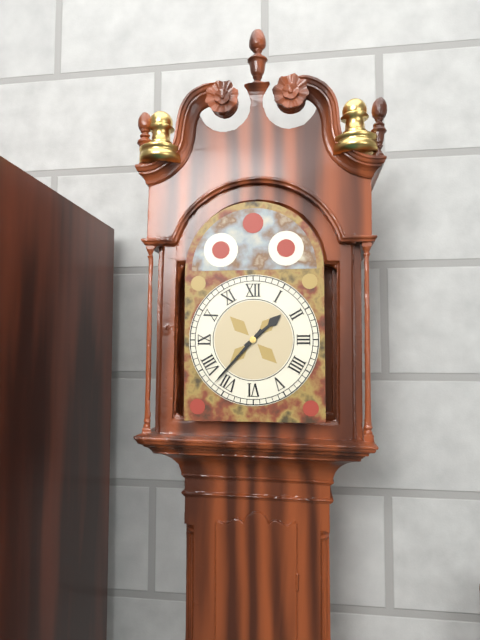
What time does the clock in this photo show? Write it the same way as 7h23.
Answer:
1h37
